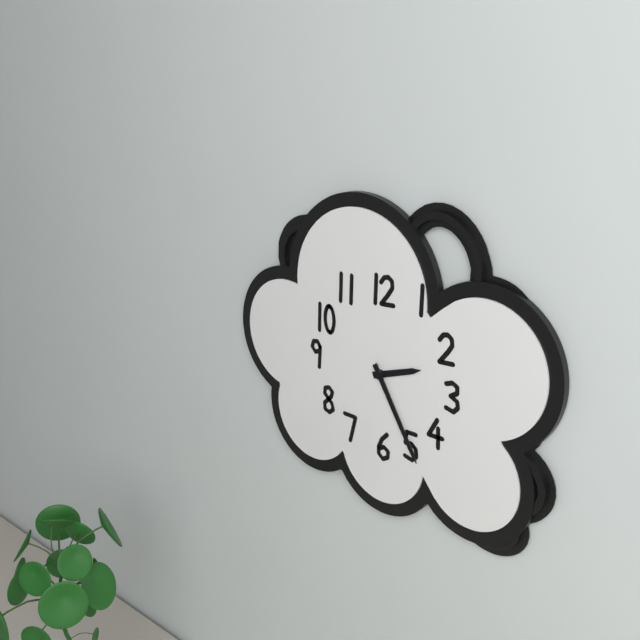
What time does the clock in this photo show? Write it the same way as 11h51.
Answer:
2h25
